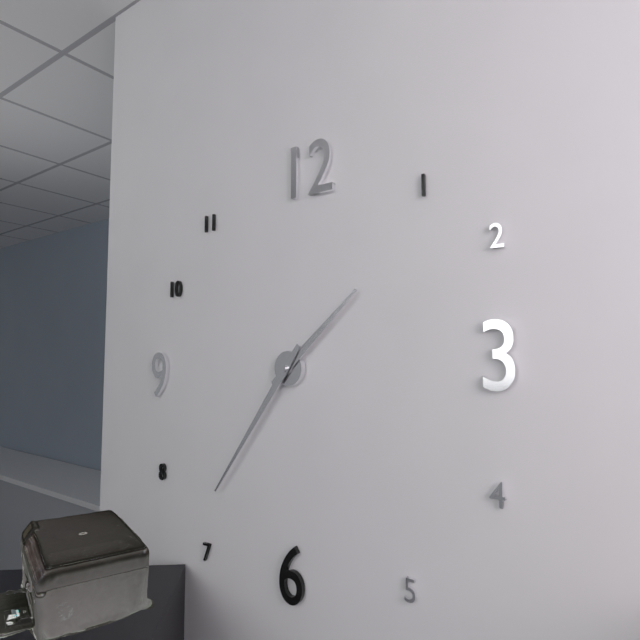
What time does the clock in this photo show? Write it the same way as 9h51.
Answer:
1h36
